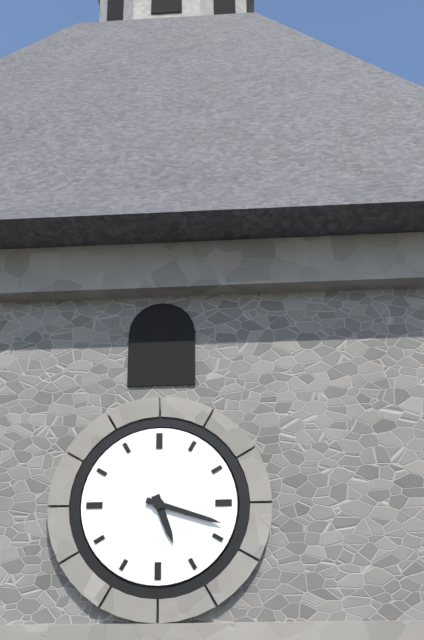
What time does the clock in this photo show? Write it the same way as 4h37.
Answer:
5h18
